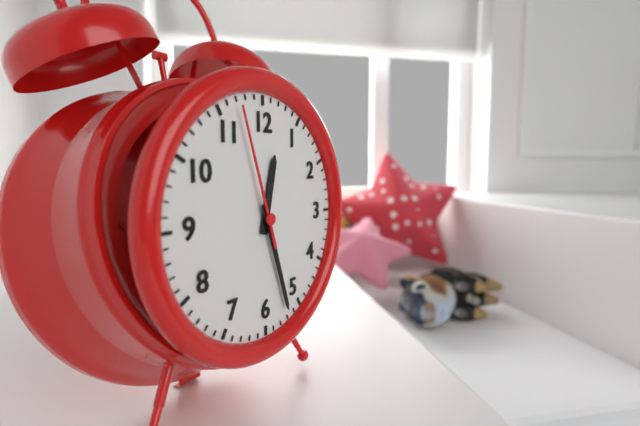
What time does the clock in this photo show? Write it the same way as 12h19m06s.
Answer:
12h27m57s
